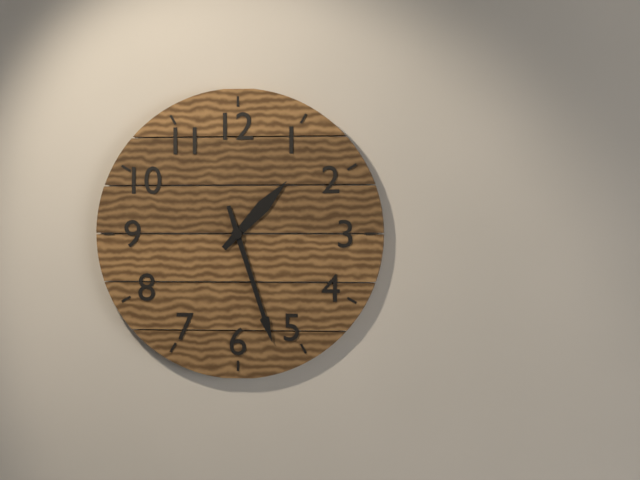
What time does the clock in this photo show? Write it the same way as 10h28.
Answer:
1h27
